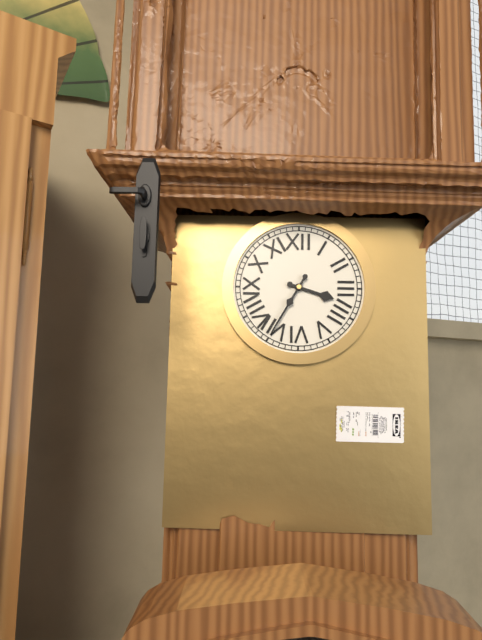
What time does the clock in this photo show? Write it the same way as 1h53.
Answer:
3h35
